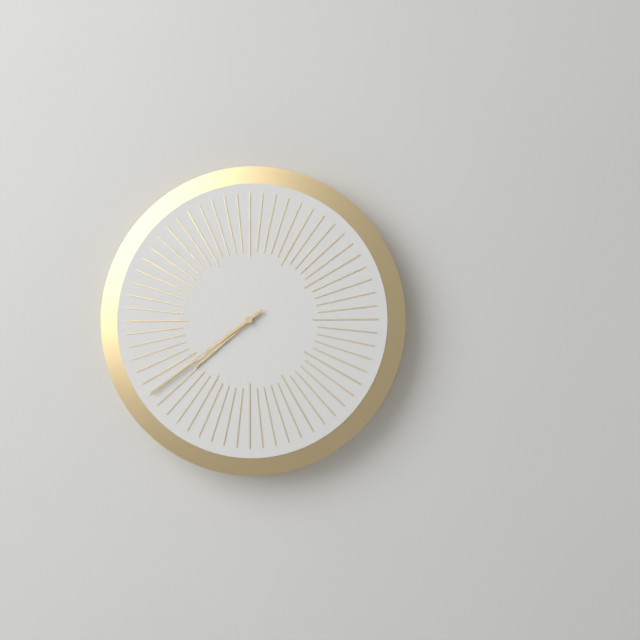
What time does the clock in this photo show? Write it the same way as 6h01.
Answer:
7h39
